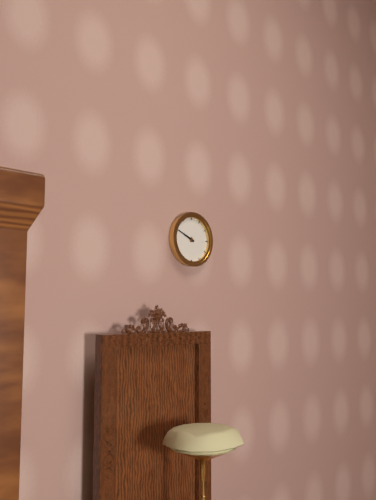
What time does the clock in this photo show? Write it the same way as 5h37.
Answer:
9h49
